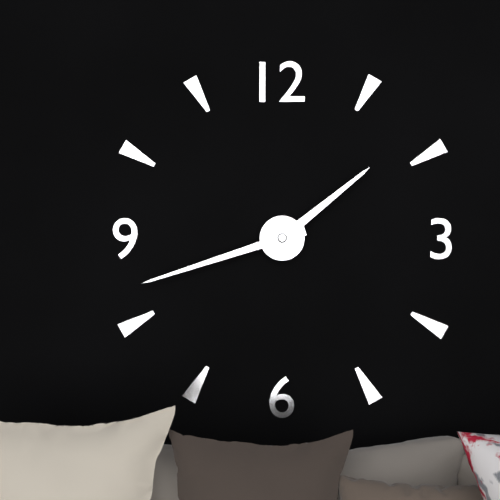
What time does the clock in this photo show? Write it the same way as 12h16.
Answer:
1h42
